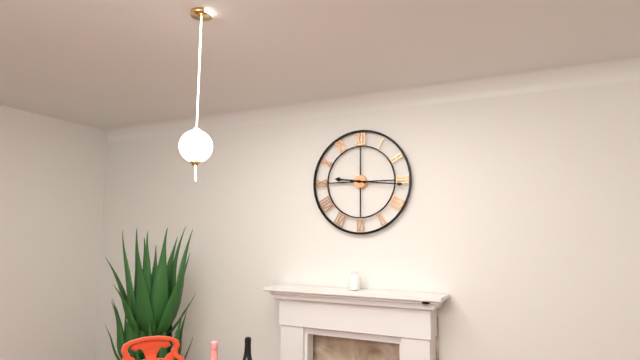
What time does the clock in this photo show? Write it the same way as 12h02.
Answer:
9h16
